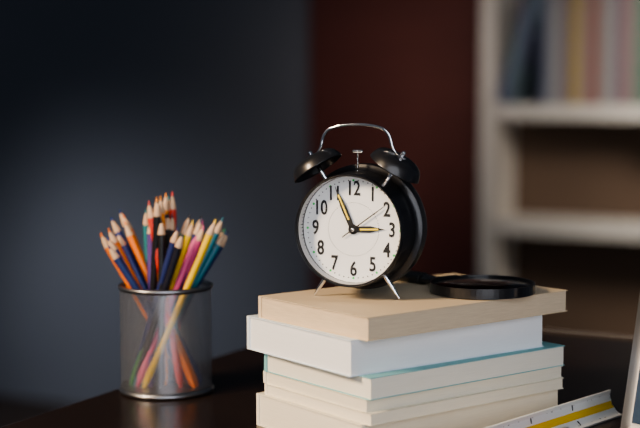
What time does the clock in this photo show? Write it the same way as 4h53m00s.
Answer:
2h56m09s
